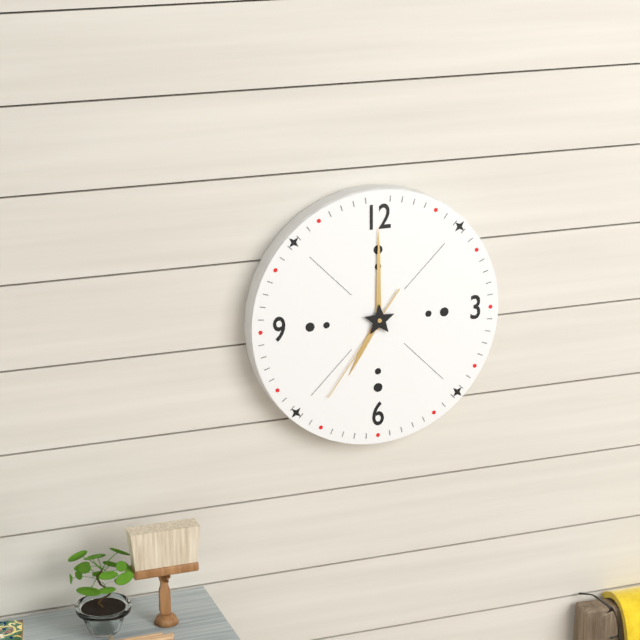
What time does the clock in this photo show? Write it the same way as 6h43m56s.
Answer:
7h00m36s
